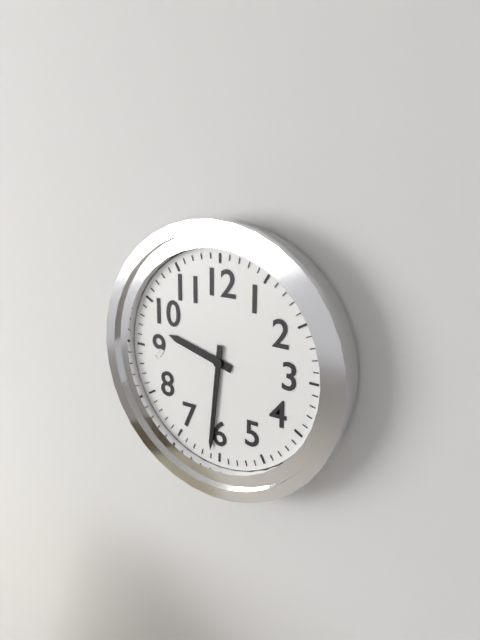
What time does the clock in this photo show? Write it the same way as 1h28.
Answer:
9h31
